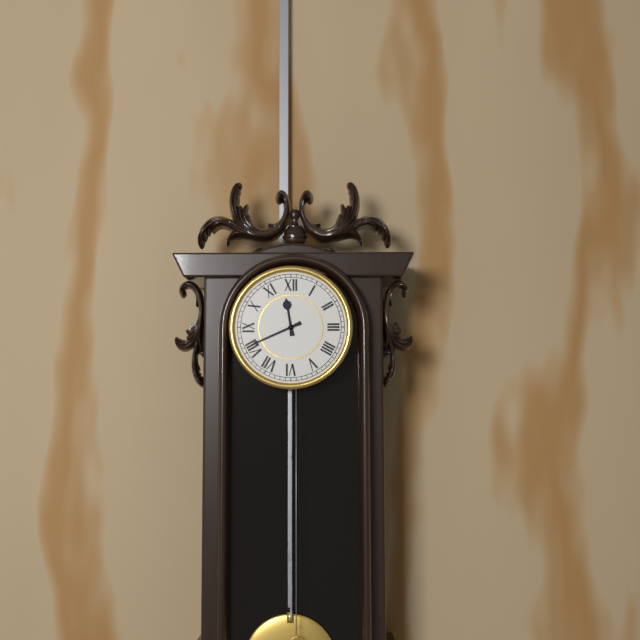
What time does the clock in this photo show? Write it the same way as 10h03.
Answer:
11h41
